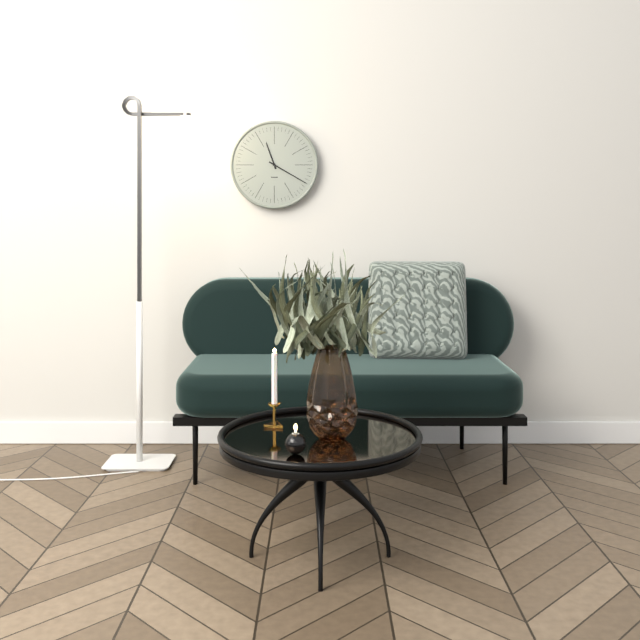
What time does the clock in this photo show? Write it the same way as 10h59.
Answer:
11h20
